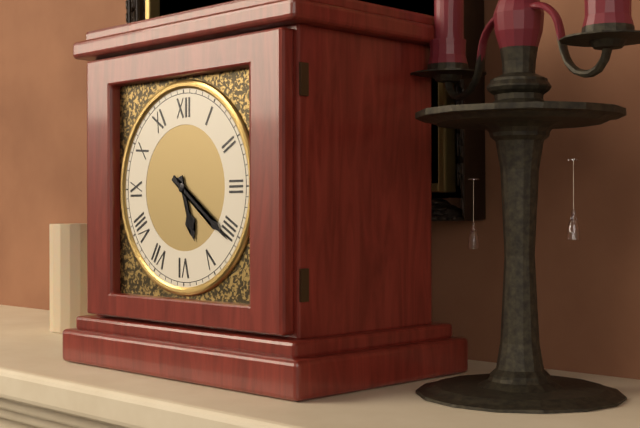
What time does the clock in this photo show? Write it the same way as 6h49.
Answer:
5h21
